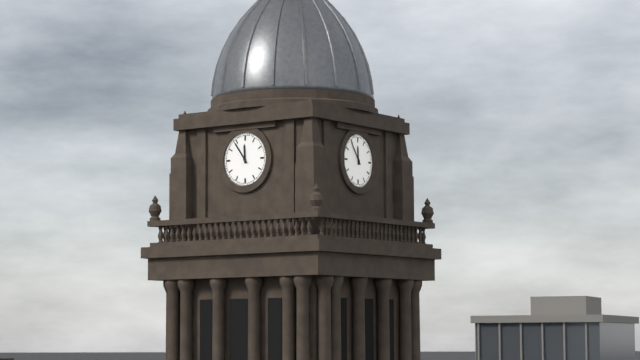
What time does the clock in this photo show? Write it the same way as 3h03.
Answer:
11h54
